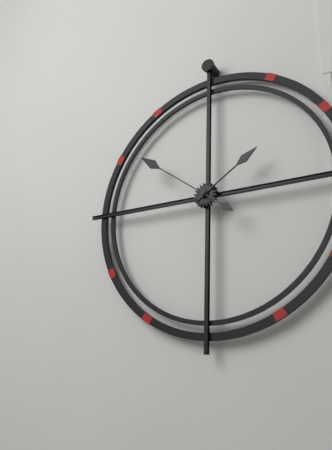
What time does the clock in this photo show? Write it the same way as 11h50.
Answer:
1h51
